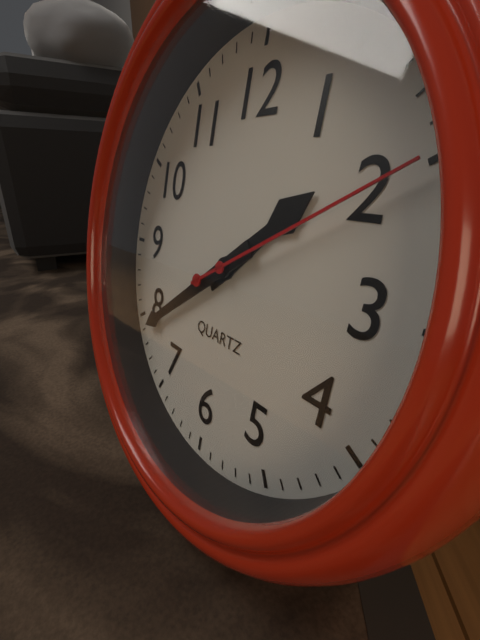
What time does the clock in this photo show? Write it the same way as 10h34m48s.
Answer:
1h39m10s
